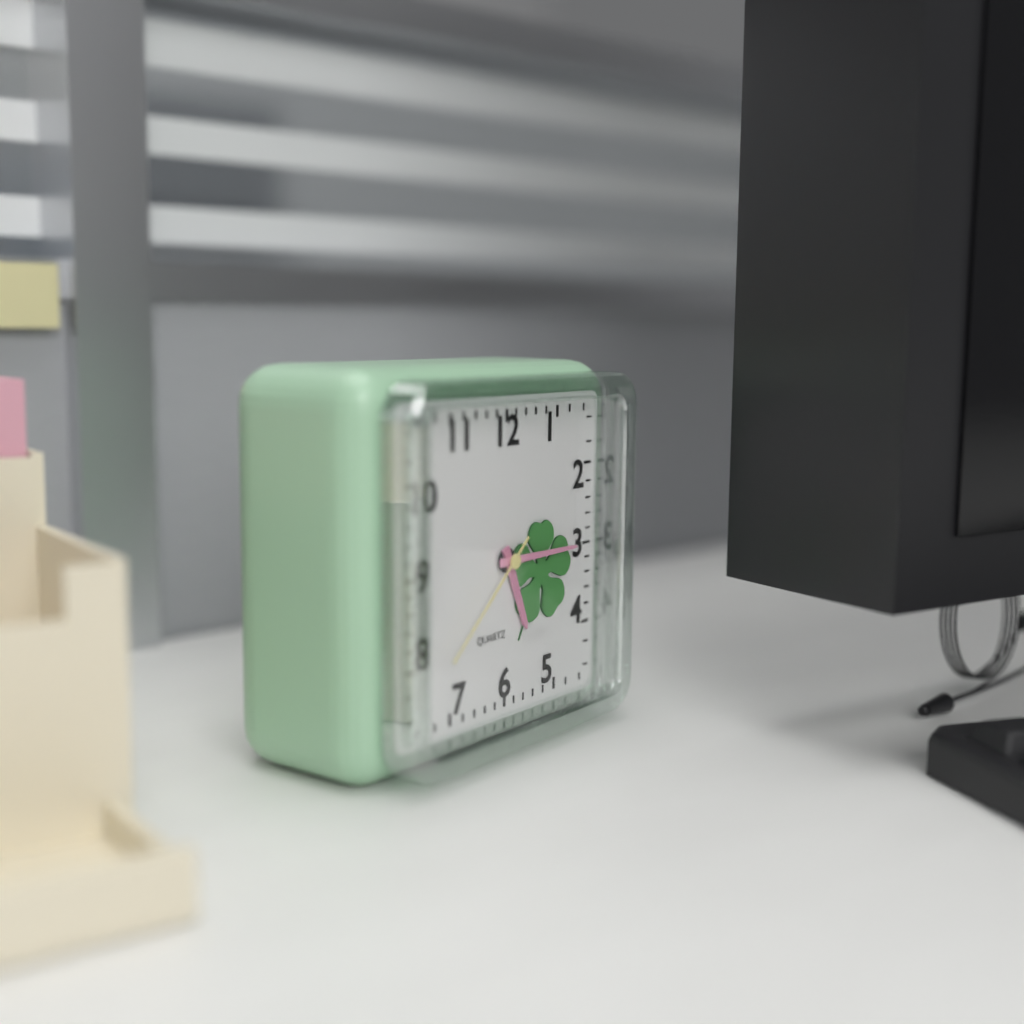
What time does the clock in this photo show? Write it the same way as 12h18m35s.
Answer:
5h15m38s
